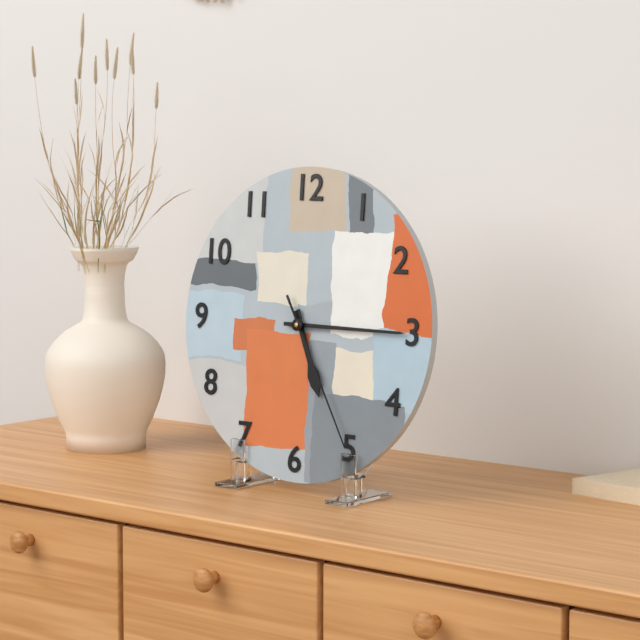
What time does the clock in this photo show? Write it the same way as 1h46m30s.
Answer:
5h15m25s
